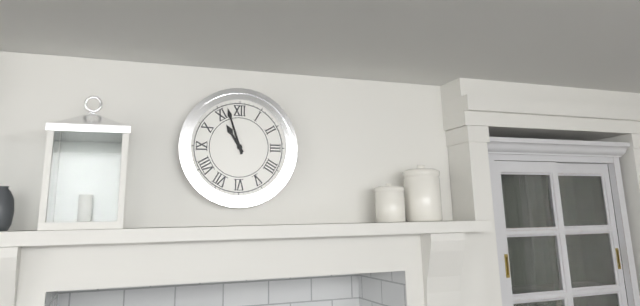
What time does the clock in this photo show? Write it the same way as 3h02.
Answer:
10h57
